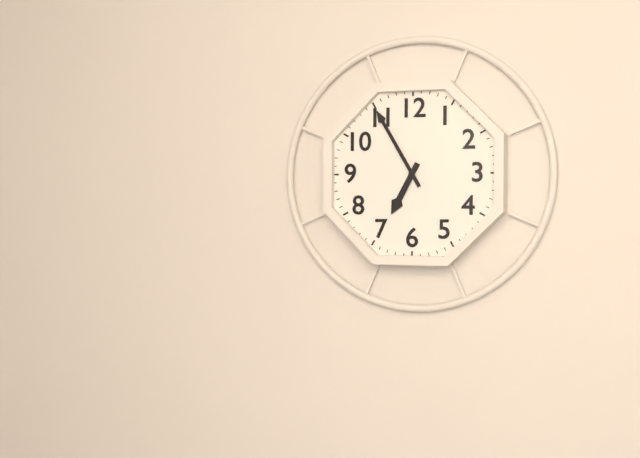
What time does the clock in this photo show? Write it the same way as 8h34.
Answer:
6h55
